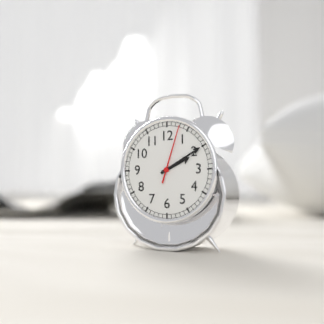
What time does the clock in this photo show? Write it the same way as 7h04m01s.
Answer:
2h10m03s
